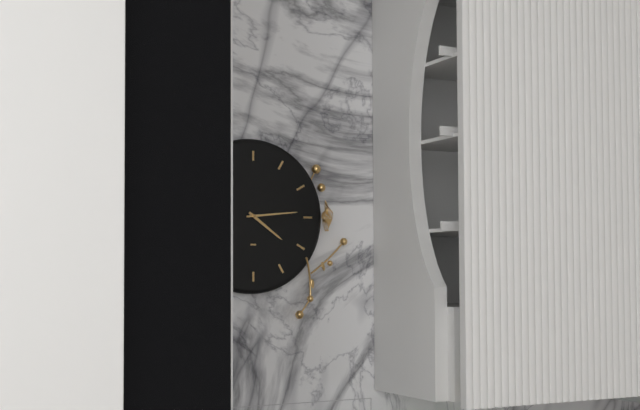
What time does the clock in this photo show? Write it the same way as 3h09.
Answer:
4h14
